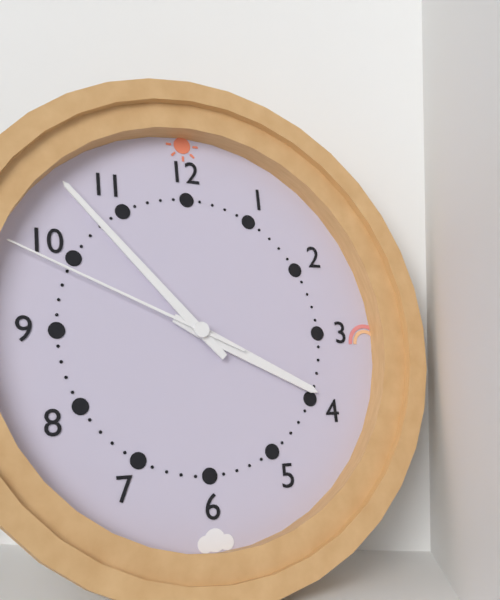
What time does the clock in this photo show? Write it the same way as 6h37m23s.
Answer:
3h53m49s
